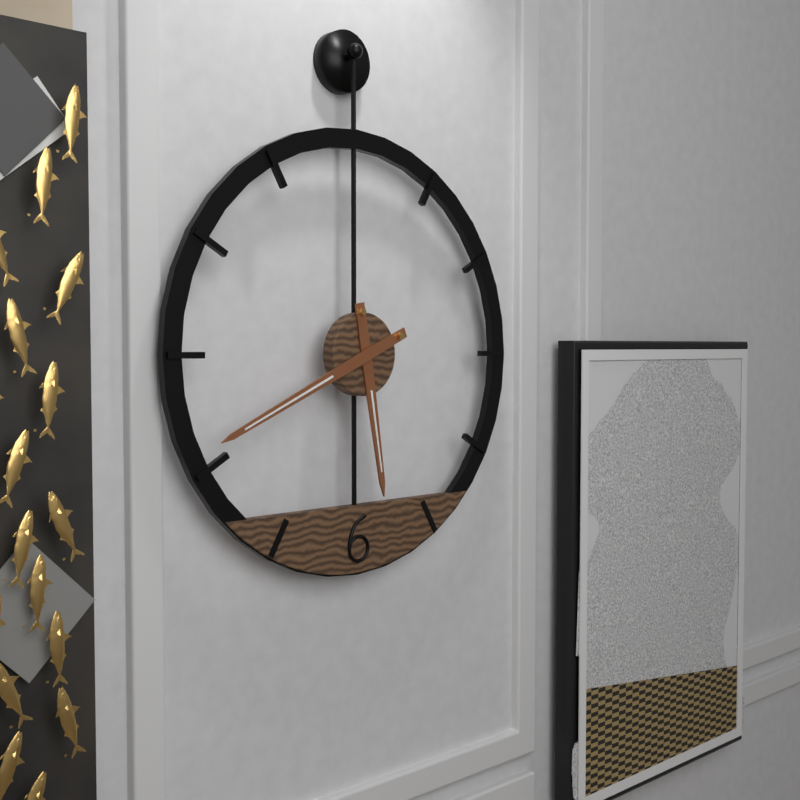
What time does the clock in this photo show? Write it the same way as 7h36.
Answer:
5h41
